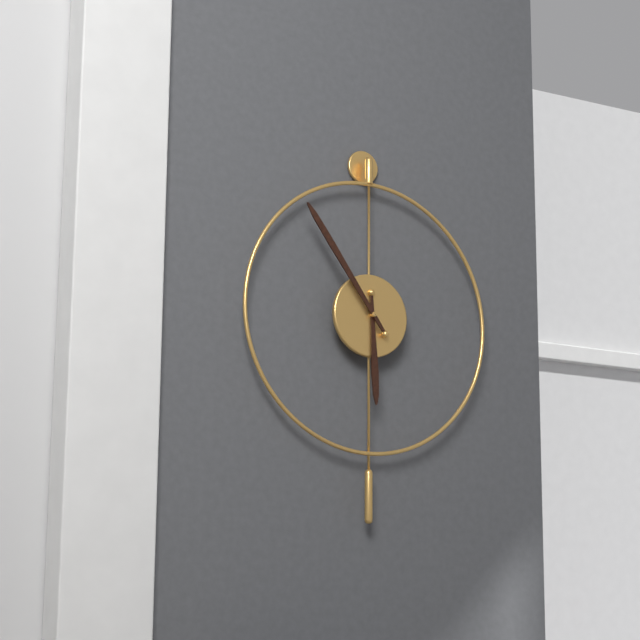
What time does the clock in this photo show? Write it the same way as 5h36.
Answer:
5h54
